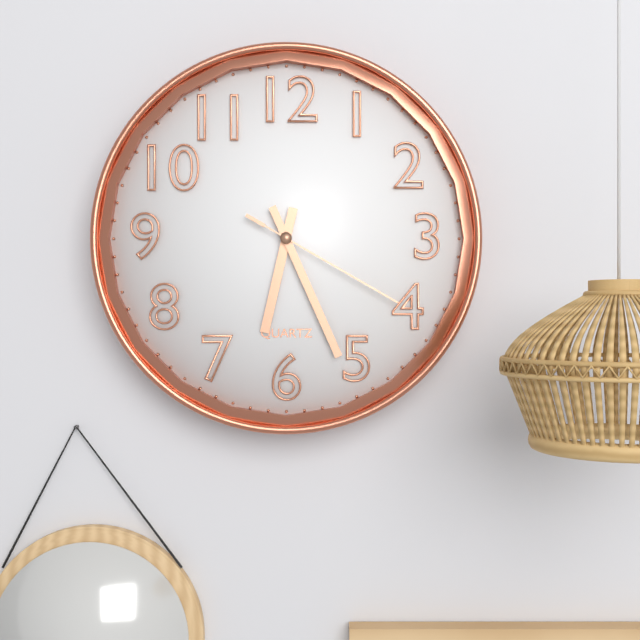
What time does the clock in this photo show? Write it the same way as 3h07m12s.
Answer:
6h26m20s
